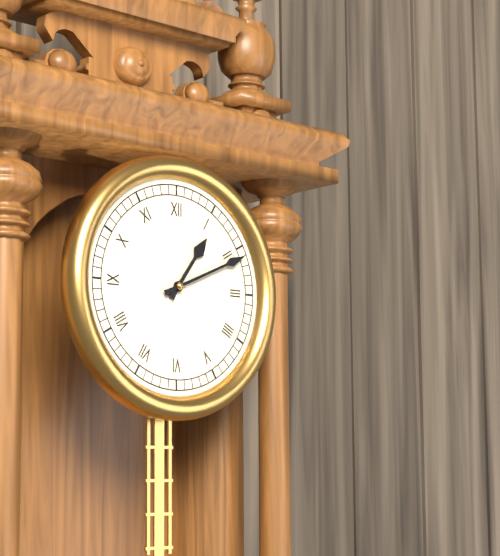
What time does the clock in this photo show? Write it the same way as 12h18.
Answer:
1h11
